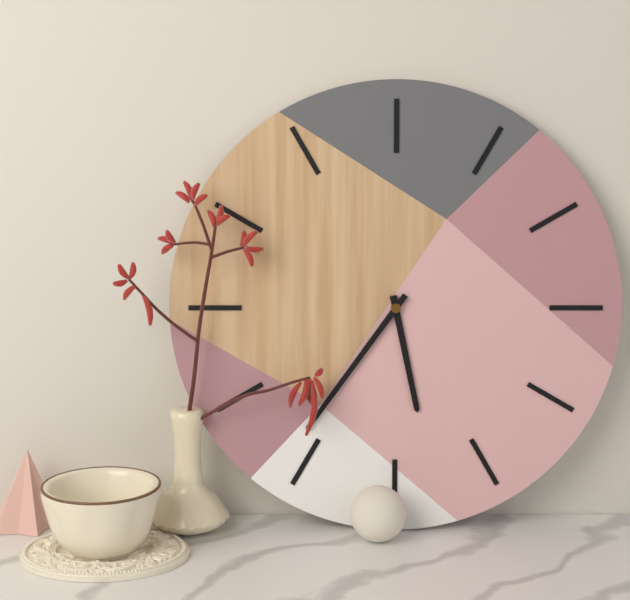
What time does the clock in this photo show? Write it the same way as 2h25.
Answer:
5h36
